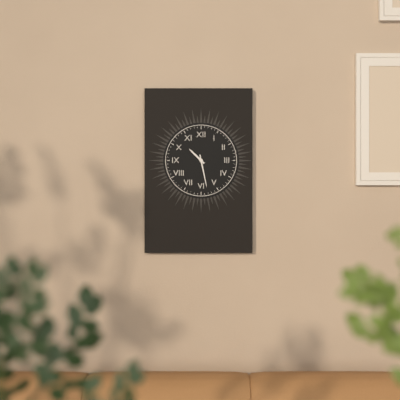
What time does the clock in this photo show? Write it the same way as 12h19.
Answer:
10h28
